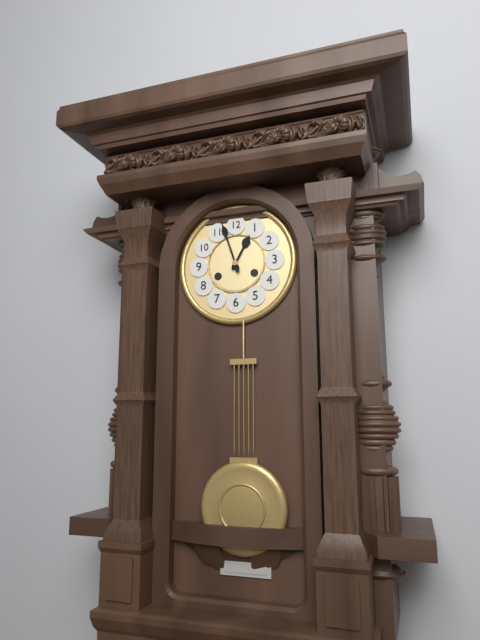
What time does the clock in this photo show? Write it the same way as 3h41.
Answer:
12h57
